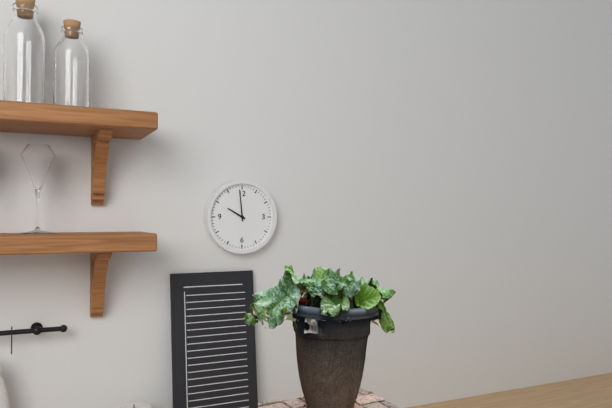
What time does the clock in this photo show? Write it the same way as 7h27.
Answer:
9h59
